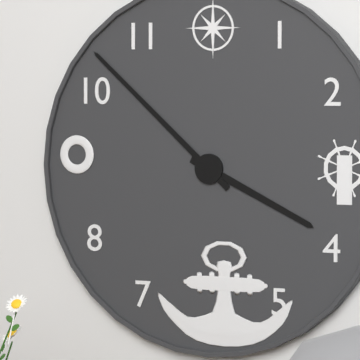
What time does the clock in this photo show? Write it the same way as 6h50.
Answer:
3h52
